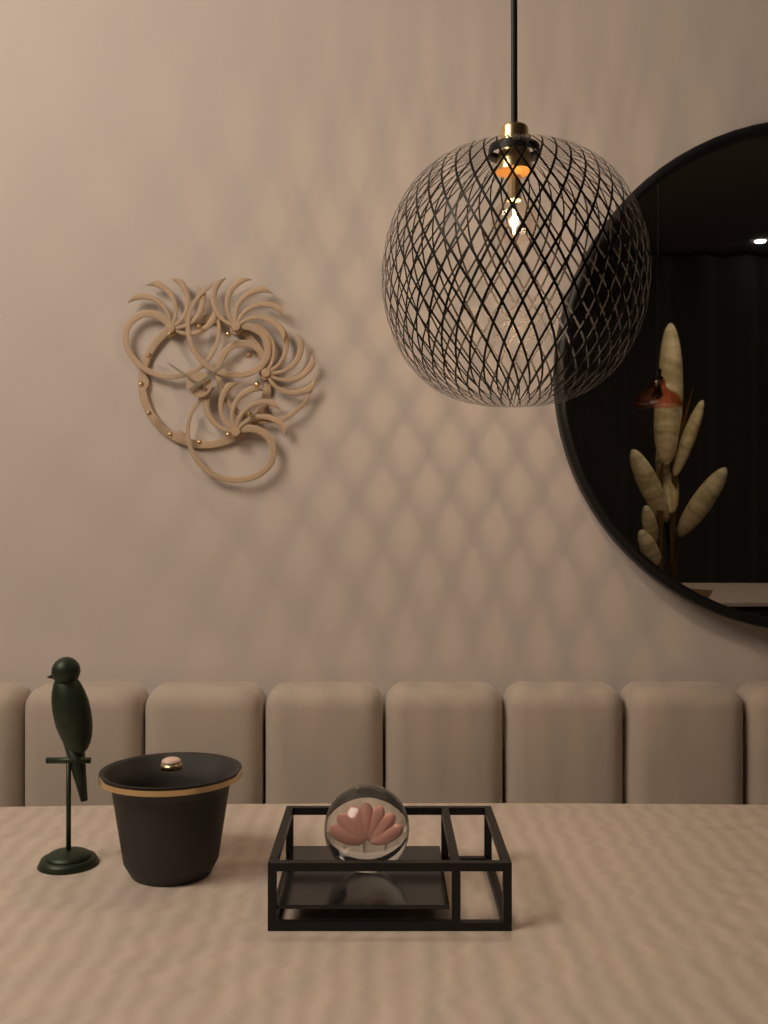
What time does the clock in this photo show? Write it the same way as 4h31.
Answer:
10h09
